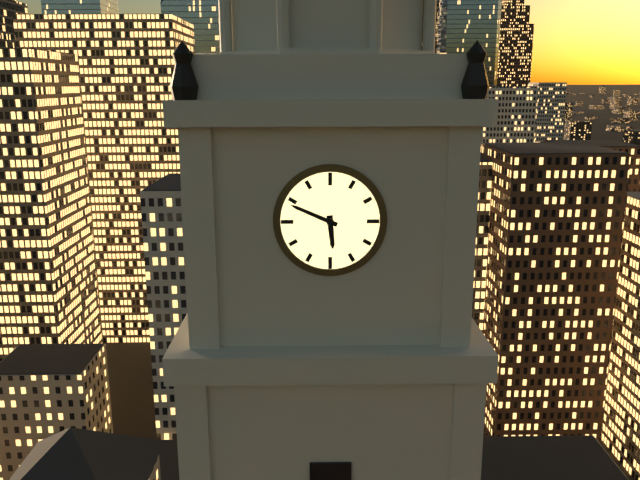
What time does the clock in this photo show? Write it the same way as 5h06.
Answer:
5h49
